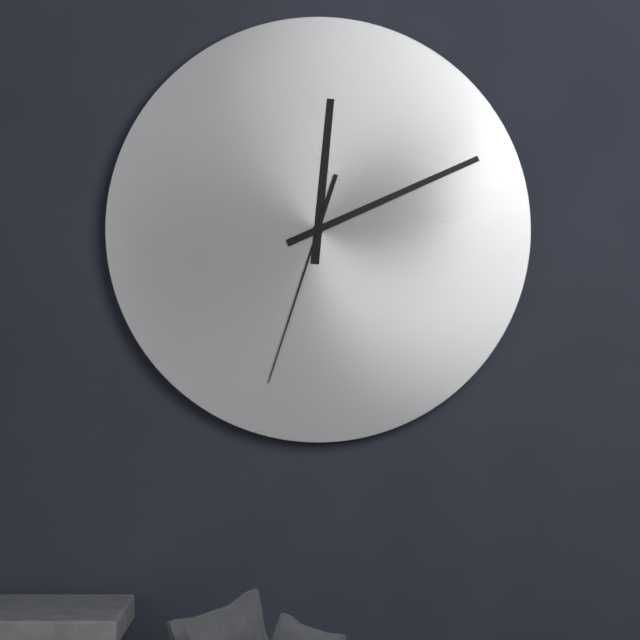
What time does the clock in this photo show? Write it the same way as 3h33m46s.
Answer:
12h11m33s
